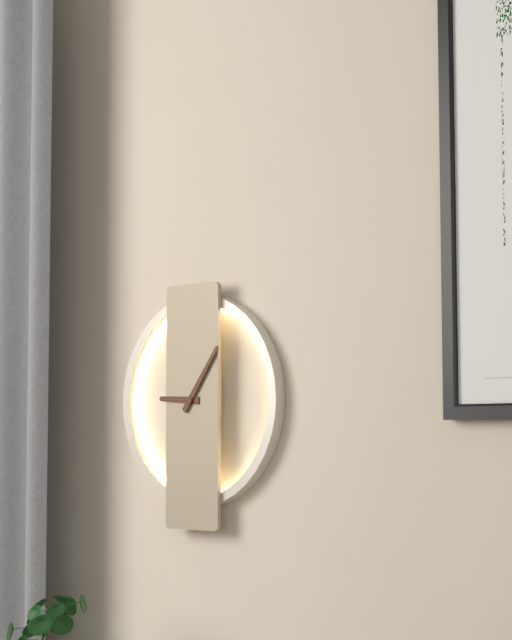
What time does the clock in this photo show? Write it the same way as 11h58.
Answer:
9h06
